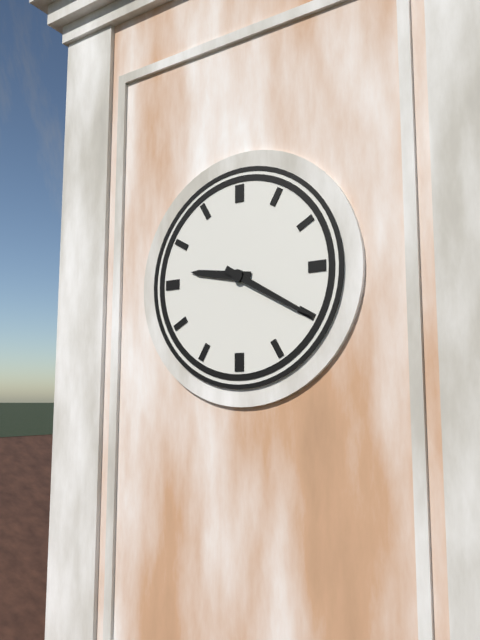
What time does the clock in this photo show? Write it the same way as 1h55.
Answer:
9h20
